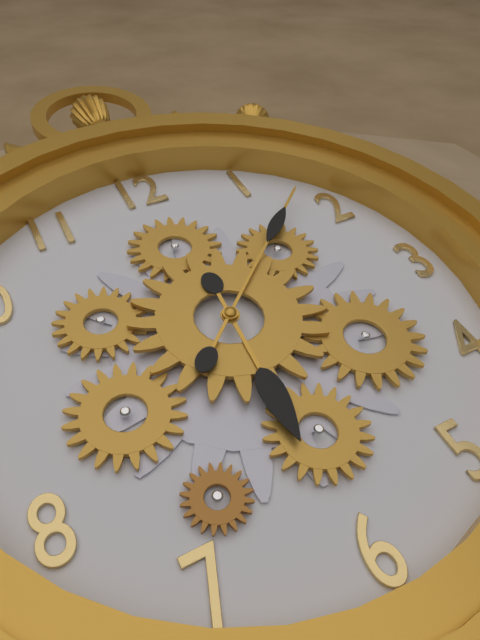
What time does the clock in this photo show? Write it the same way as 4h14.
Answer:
6h08
